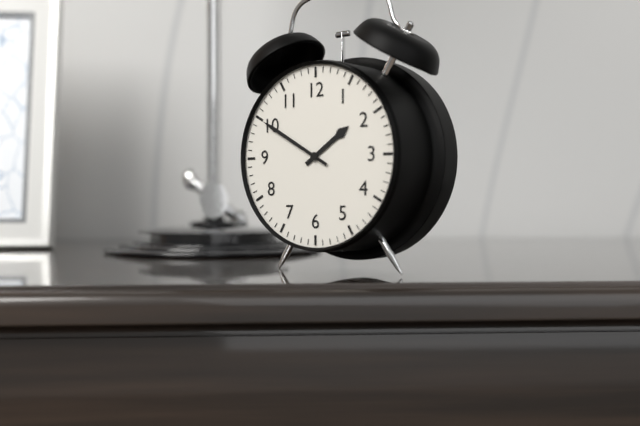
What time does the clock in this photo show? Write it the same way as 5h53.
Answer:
1h50
